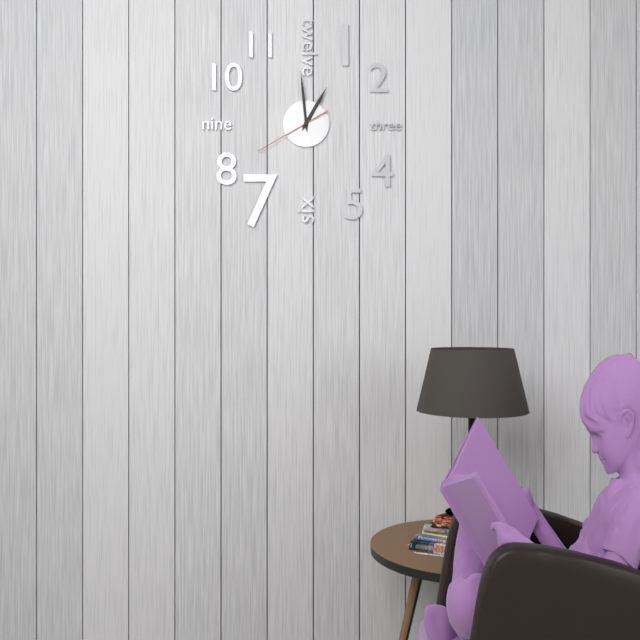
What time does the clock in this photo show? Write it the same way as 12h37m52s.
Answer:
12h59m40s
